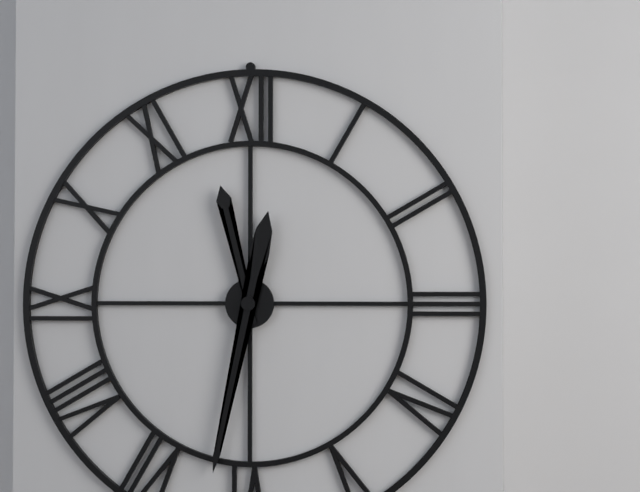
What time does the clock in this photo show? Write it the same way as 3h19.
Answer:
11h32
